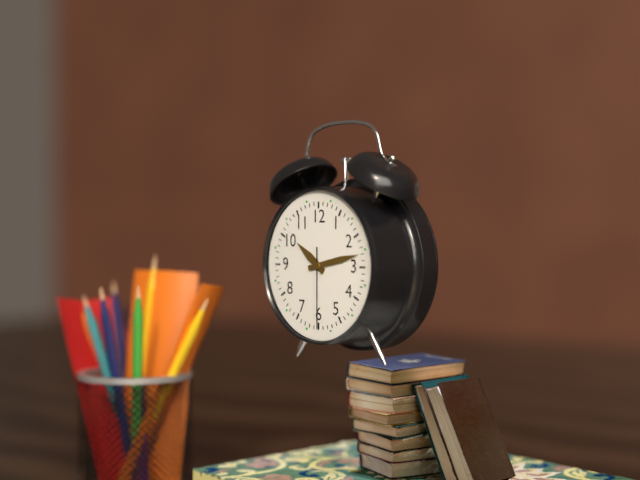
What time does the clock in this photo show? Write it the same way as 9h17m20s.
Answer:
10h13m30s
